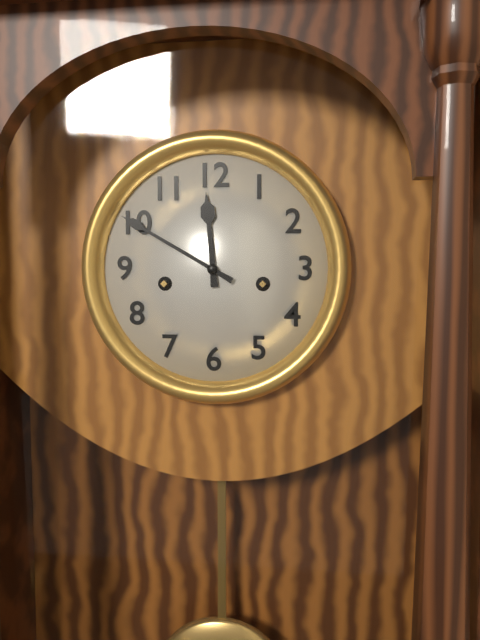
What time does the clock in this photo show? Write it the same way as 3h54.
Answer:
11h50
